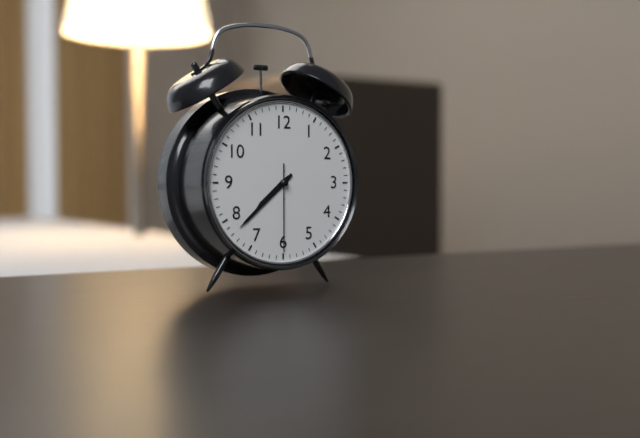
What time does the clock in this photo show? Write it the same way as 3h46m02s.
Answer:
7h38m30s
